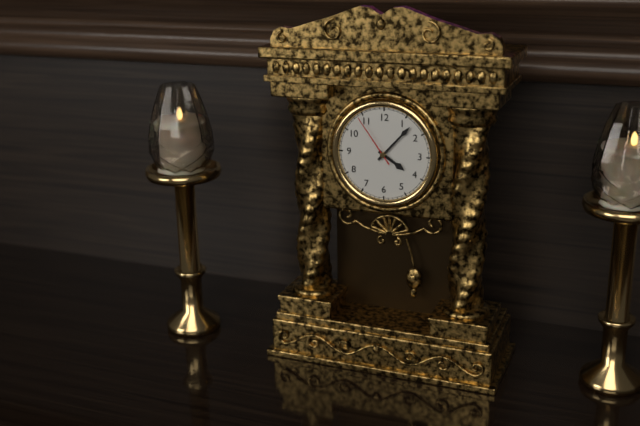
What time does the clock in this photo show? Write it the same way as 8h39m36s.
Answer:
4h07m54s
